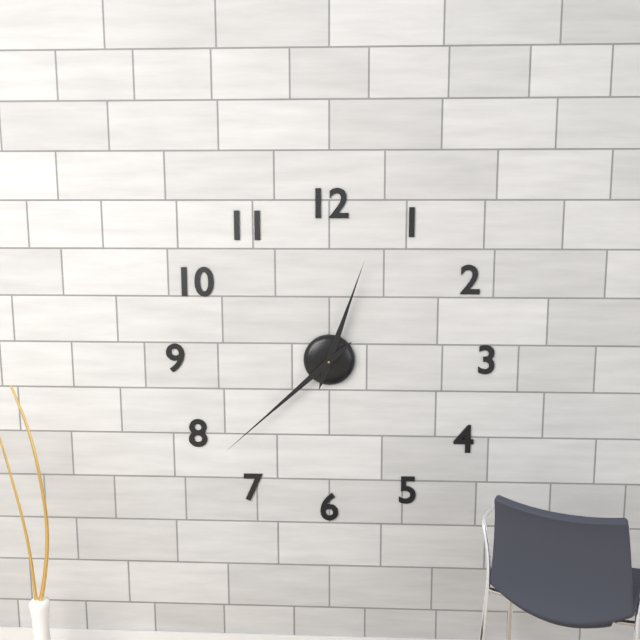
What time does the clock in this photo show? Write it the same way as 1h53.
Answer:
12h38
